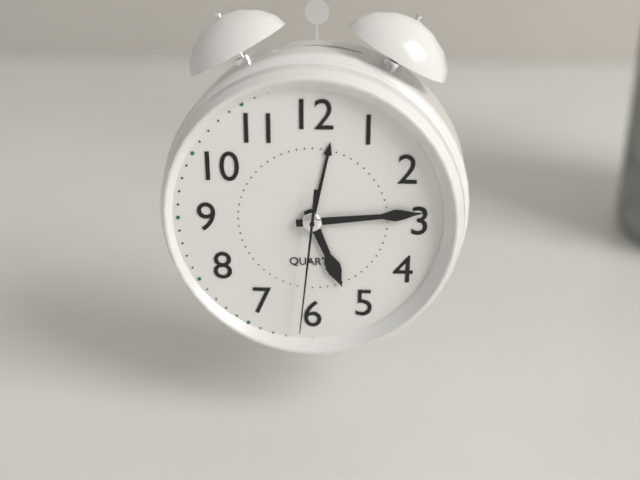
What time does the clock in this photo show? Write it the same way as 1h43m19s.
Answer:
5h14m31s
